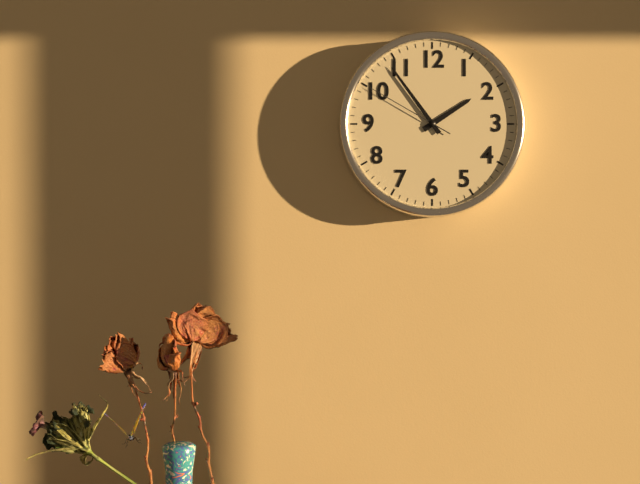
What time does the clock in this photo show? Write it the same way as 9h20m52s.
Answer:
1h54m50s
